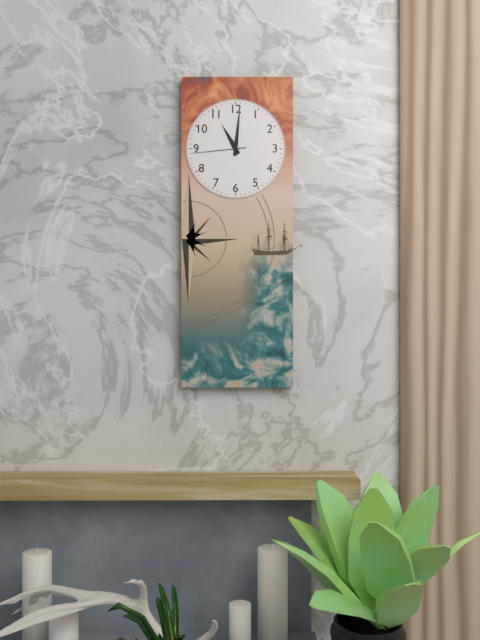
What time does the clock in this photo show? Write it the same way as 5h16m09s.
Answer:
11h01m44s
